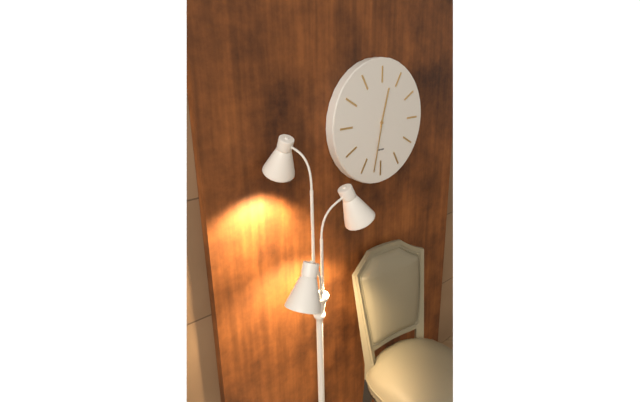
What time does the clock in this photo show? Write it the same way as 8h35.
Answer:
12h32
